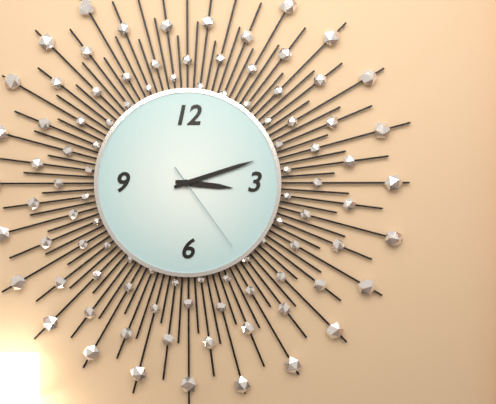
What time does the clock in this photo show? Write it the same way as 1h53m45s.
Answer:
3h12m24s
